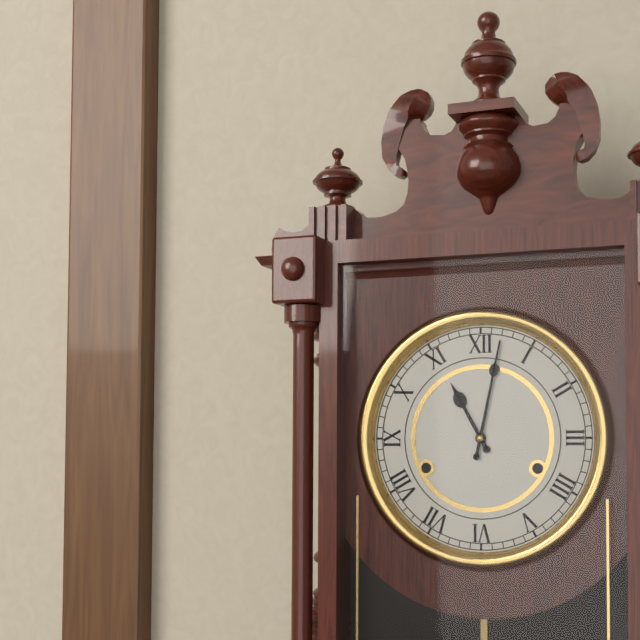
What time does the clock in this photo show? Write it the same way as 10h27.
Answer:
11h02
